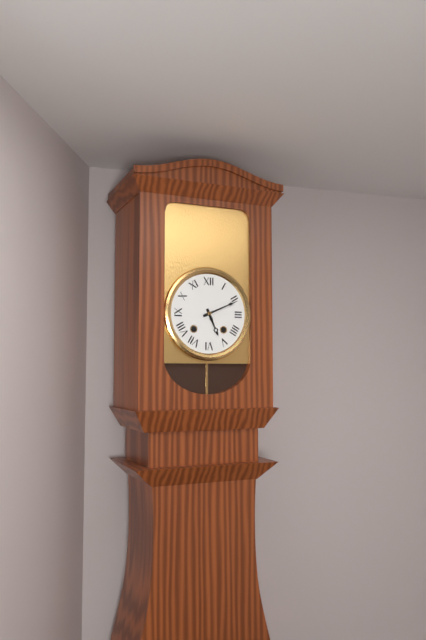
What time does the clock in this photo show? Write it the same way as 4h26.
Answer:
5h11
